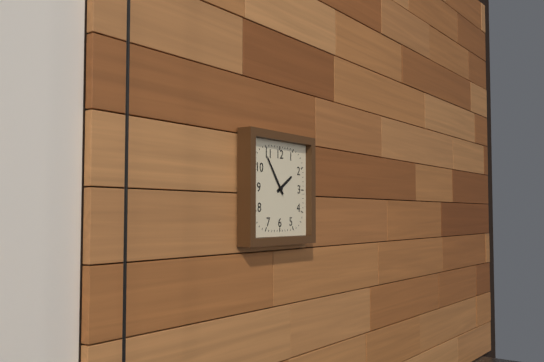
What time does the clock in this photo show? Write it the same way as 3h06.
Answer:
1h54
